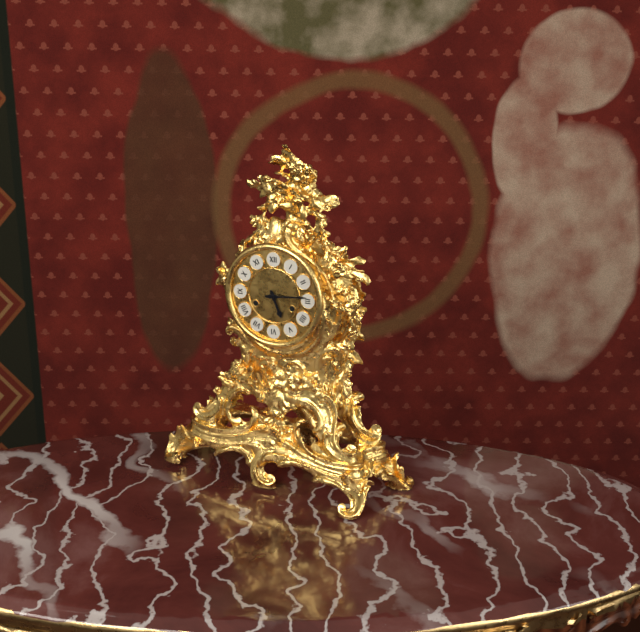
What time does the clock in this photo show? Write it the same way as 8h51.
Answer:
5h14
